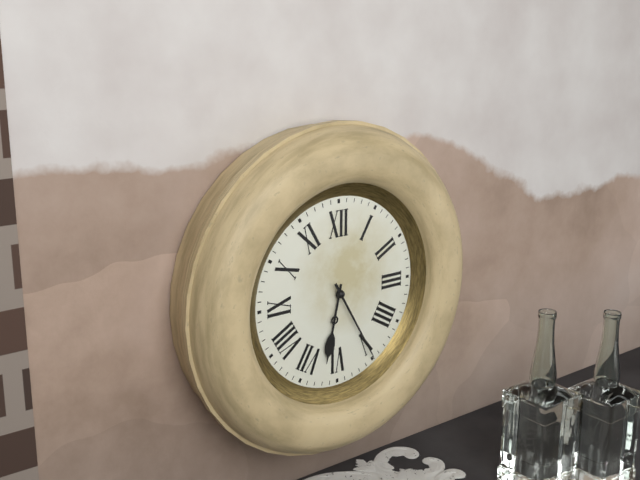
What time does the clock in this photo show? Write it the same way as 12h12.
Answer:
6h25
